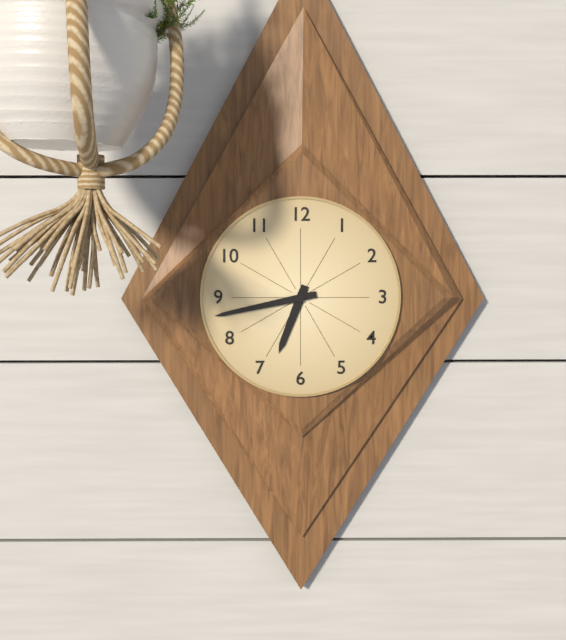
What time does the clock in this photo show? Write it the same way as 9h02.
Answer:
6h43
